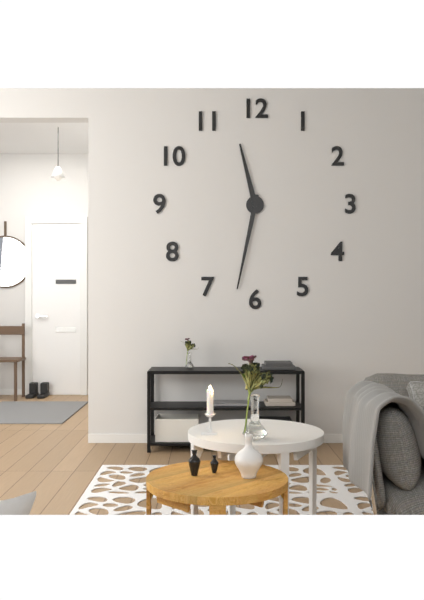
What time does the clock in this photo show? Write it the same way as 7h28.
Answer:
11h32
